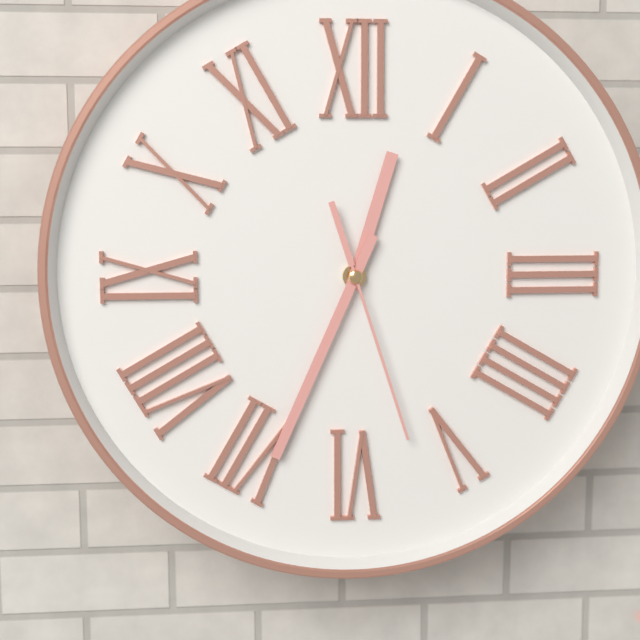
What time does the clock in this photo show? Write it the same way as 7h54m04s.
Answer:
12h34m27s
